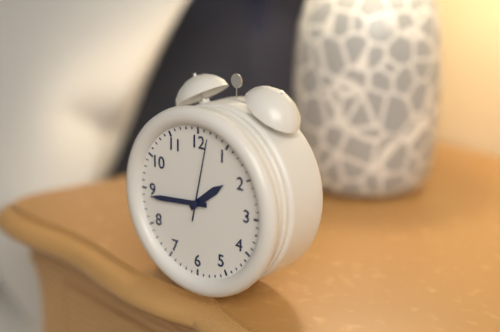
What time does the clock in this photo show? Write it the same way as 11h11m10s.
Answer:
1h44m02s
